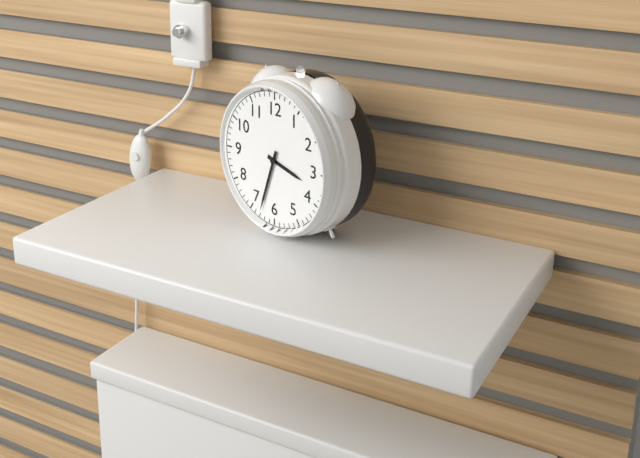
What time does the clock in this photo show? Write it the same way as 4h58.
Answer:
3h33
